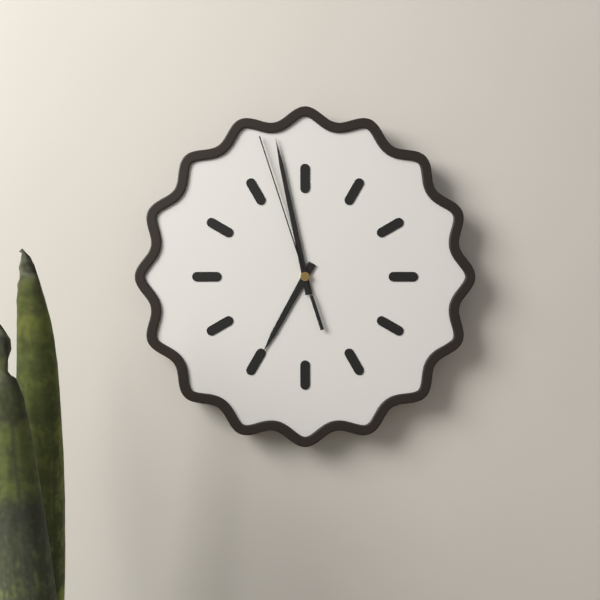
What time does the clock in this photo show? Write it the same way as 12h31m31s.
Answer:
6h58m57s
